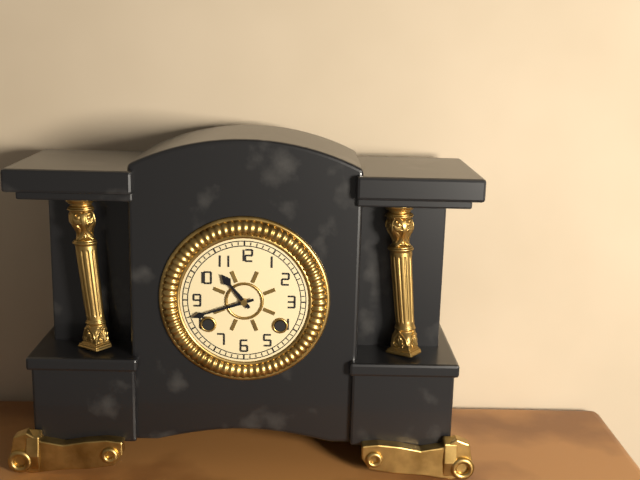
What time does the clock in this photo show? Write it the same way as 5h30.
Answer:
10h42
